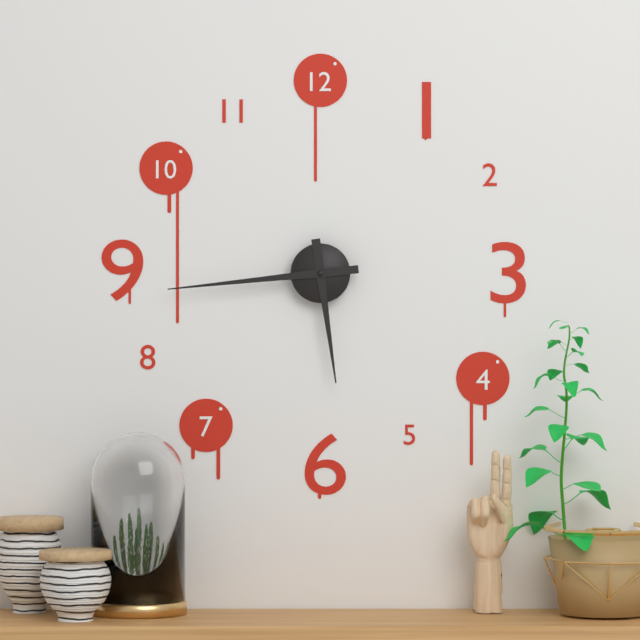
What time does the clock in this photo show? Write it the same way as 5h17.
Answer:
5h44
